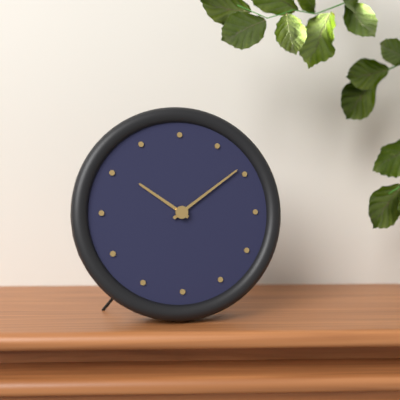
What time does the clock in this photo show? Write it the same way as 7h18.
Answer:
10h09
